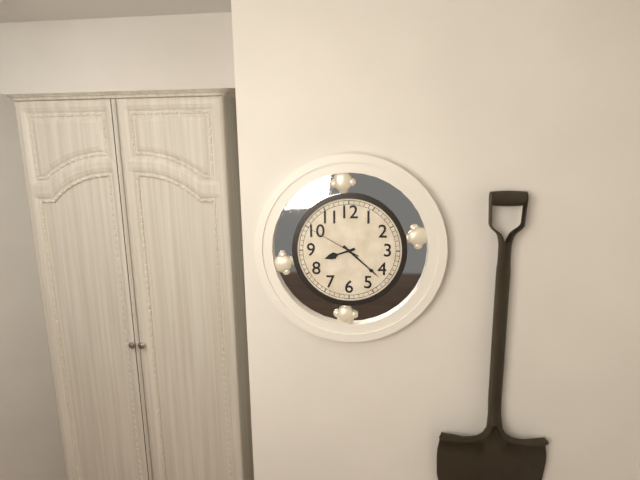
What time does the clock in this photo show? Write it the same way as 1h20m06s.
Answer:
8h22m50s
